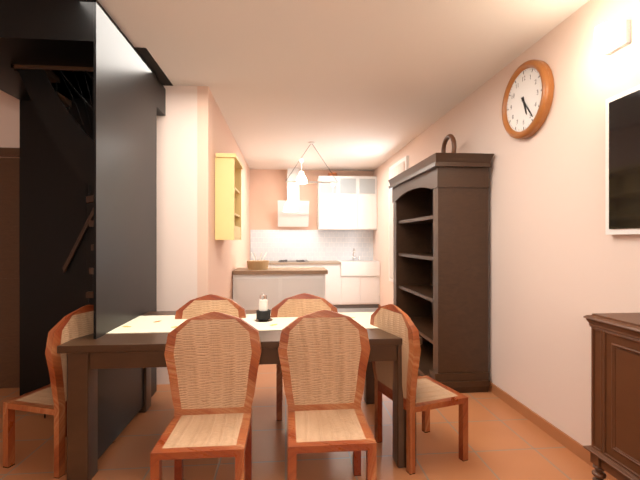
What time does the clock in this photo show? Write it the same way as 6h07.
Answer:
5h24
